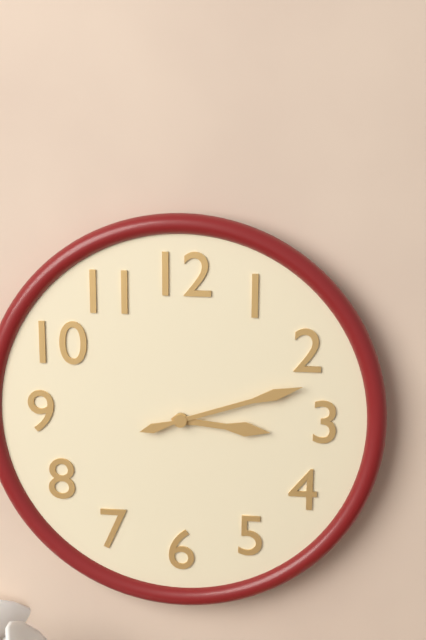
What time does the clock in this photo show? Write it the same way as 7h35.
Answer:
3h12
